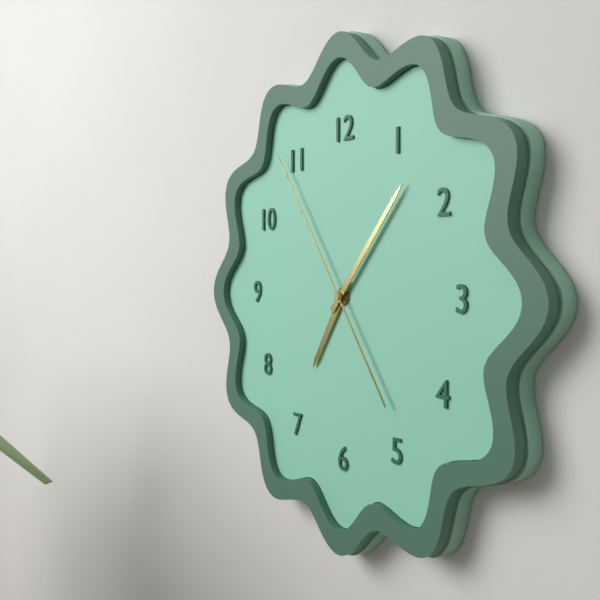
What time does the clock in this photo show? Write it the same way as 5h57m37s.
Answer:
7h07m54s
